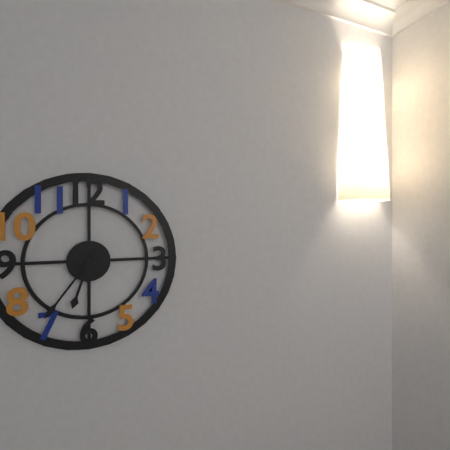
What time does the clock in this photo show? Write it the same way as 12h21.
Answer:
6h36
